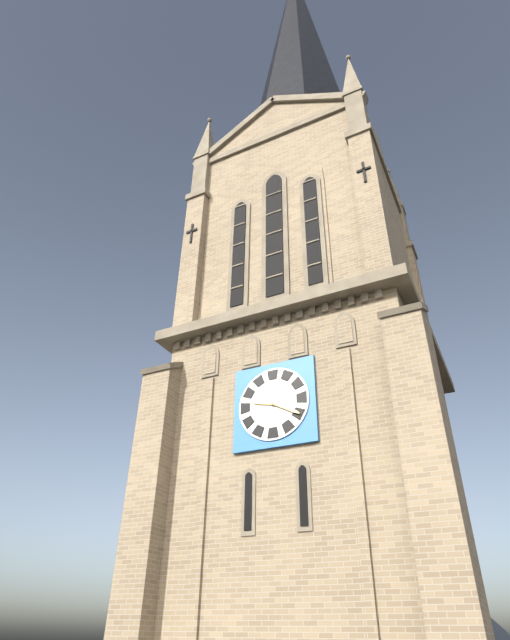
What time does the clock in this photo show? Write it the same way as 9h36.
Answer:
9h20
